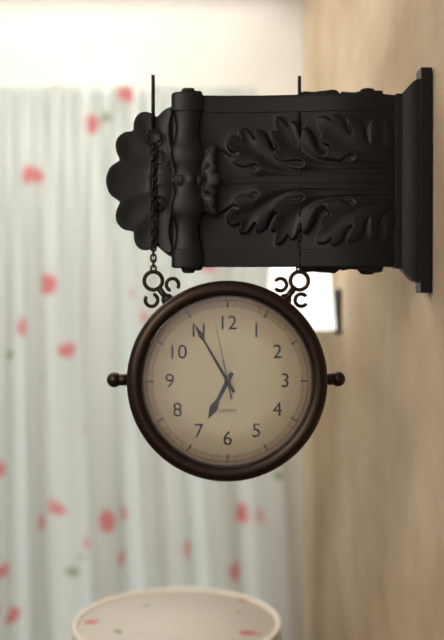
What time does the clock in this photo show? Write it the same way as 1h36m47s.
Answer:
6h55m58s
